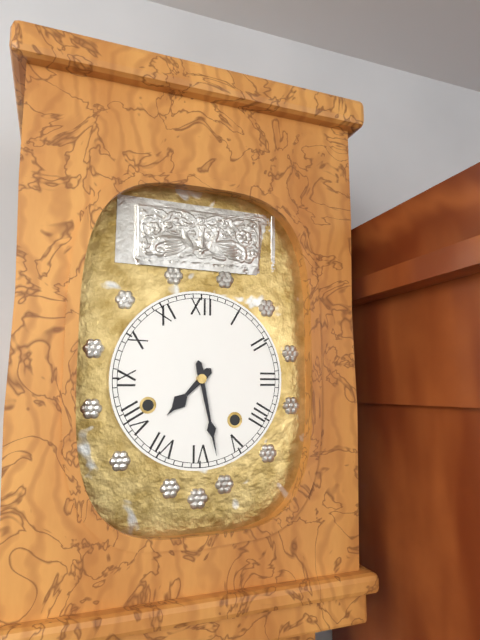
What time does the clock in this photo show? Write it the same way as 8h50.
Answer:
7h28
